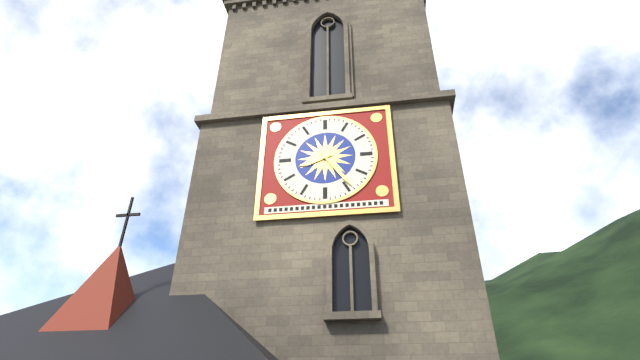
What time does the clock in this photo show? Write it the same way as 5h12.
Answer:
8h24
